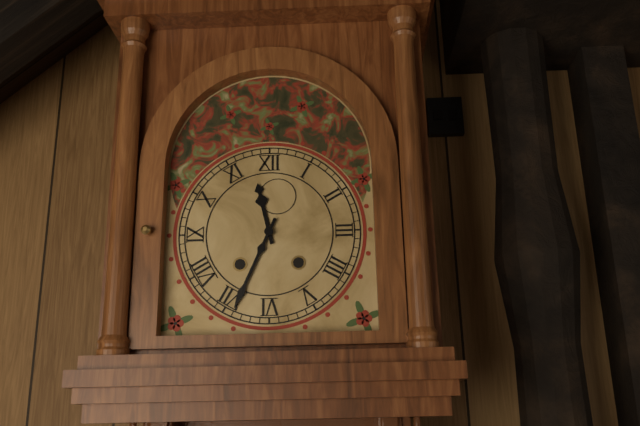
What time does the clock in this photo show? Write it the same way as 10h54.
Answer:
11h34
